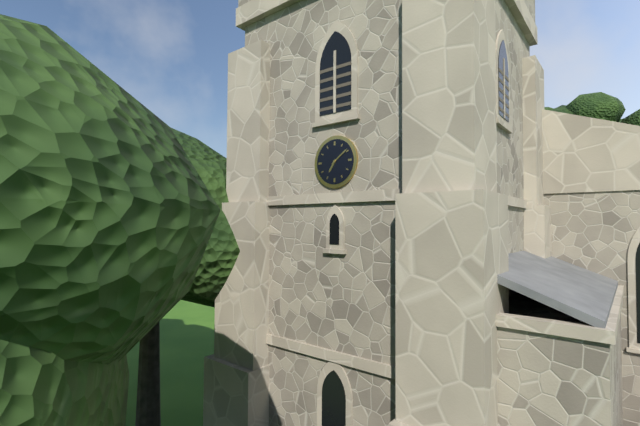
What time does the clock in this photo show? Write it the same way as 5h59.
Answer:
7h09
